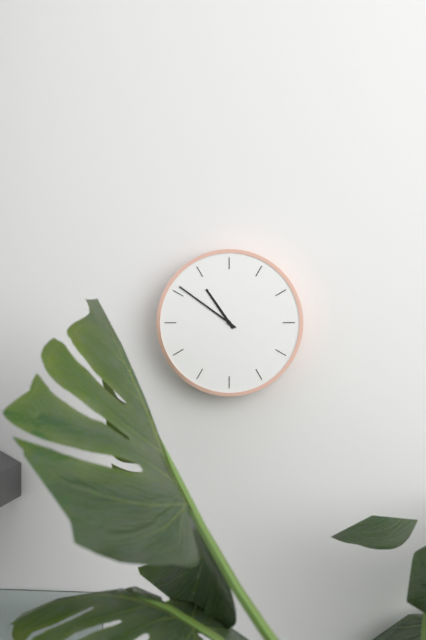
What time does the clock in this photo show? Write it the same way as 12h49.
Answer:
10h51
